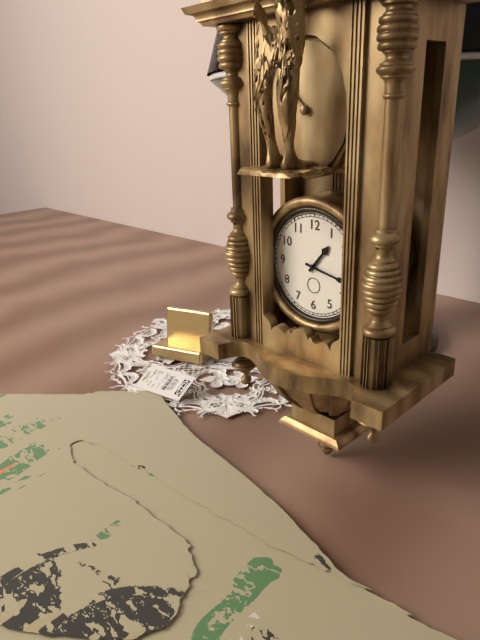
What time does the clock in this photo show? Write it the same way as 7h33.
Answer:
1h17
